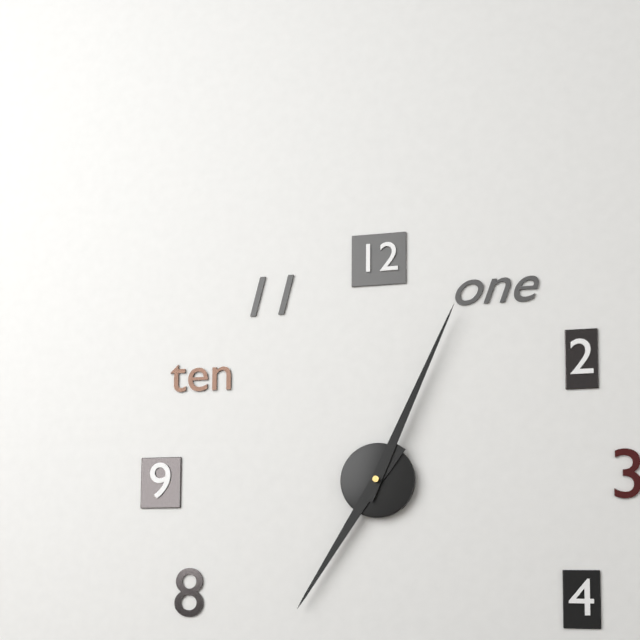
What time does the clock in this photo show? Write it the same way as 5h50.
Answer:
7h04
